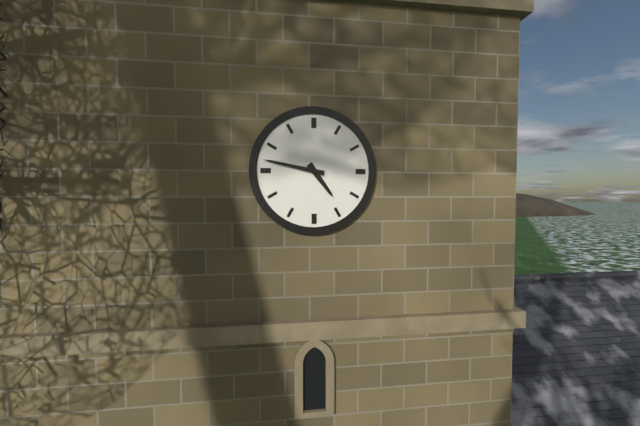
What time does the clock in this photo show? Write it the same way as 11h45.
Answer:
4h47
